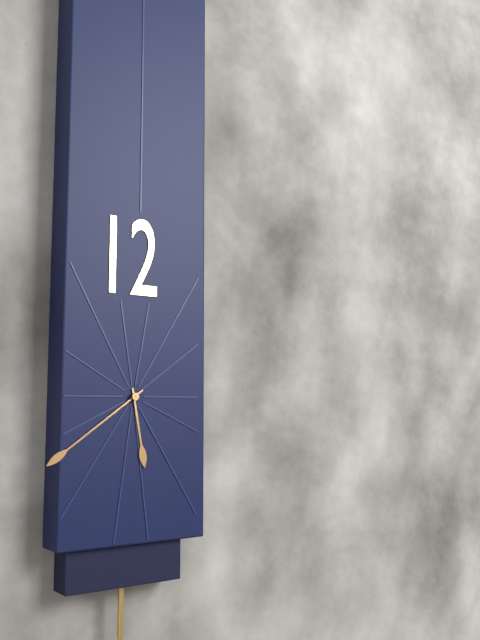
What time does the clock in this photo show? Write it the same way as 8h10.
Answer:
5h39
